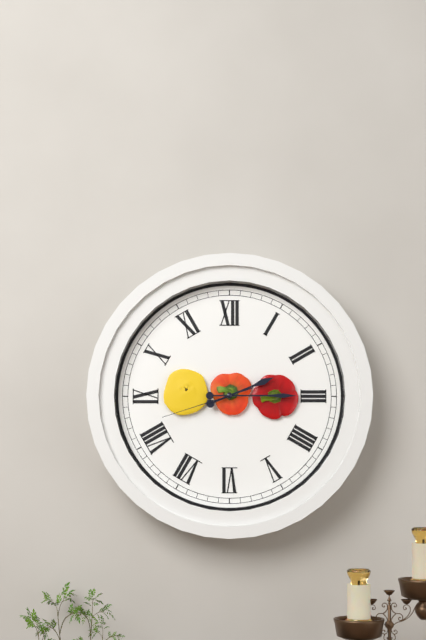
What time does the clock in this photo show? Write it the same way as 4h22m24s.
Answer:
2h15m42s
